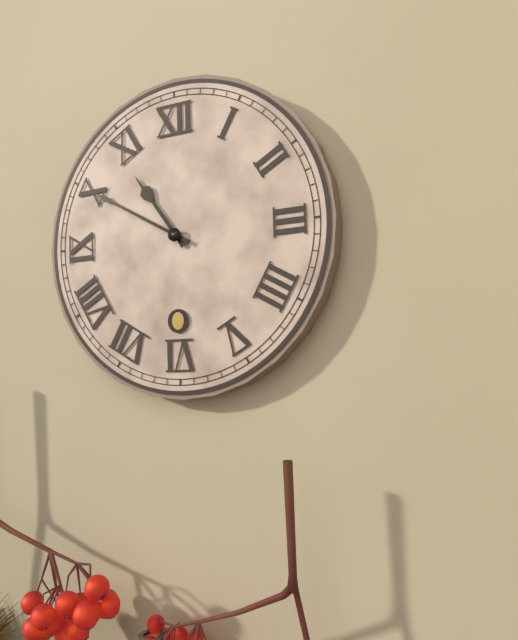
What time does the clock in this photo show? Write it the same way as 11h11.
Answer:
10h50
